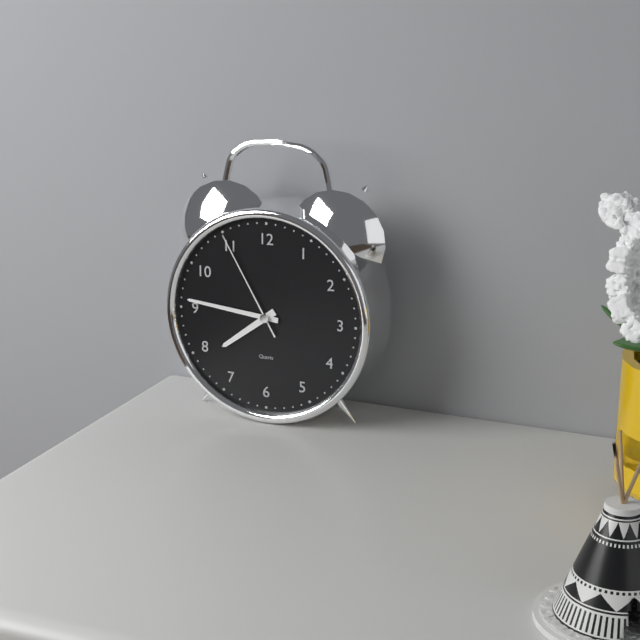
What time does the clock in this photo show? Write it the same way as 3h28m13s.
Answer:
7h46m55s
